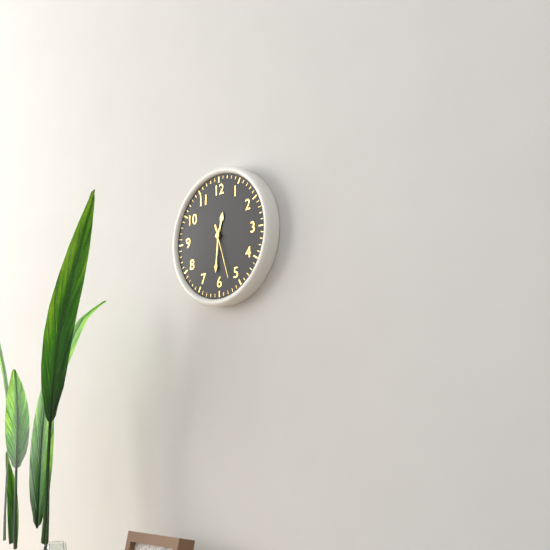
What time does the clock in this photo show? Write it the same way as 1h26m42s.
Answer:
12h31m27s
